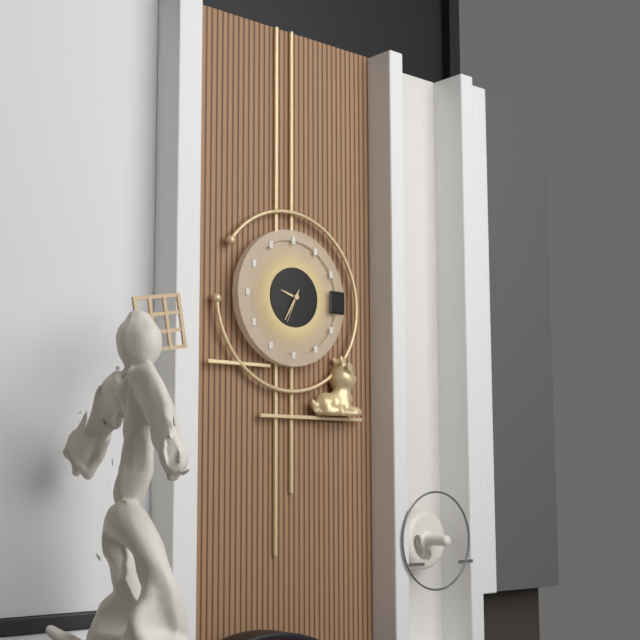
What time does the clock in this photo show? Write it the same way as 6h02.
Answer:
9h35
